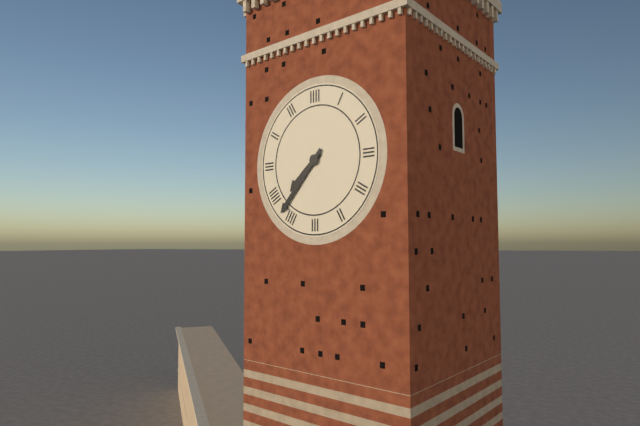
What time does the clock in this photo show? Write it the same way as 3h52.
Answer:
7h37
